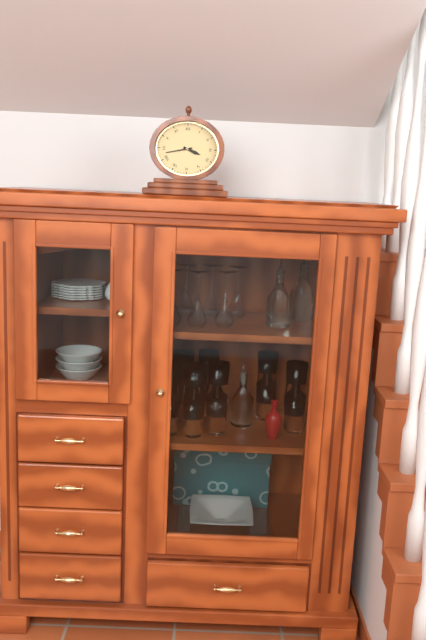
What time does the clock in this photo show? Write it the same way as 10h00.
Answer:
3h43
